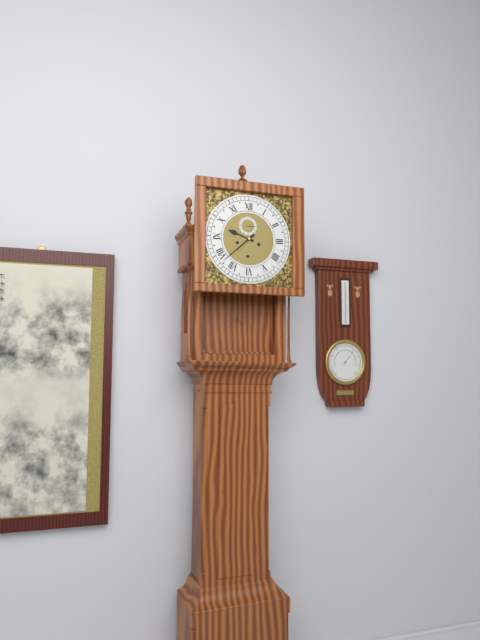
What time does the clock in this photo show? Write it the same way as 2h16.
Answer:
9h38
